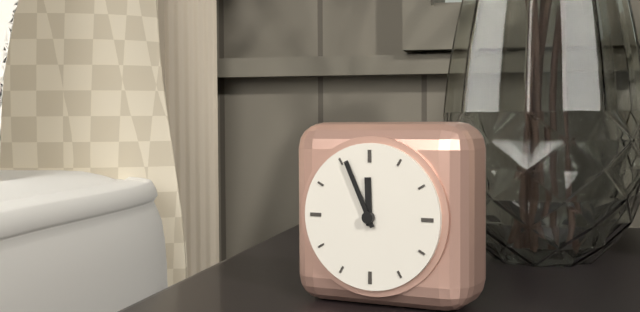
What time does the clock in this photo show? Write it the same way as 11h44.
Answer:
11h56
